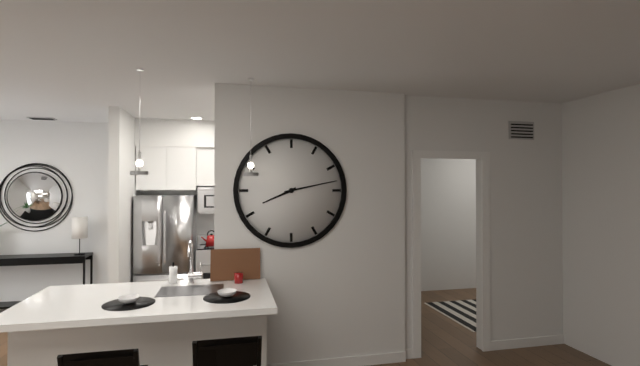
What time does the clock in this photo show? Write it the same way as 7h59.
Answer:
8h13
